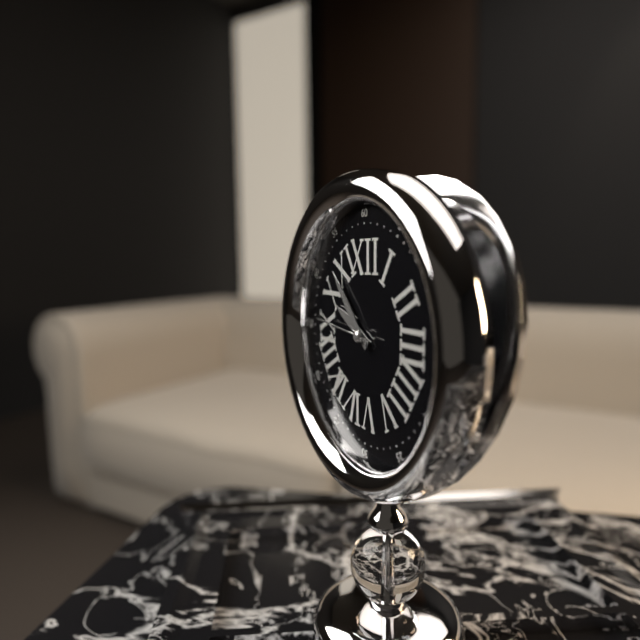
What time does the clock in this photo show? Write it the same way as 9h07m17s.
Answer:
9h53m46s
